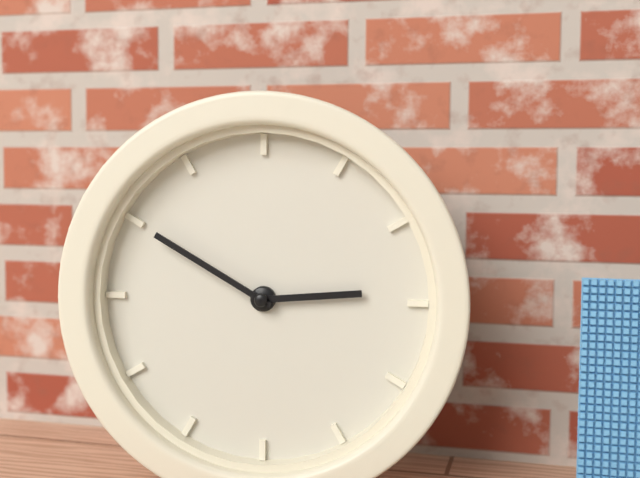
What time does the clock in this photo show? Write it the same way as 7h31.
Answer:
2h50
